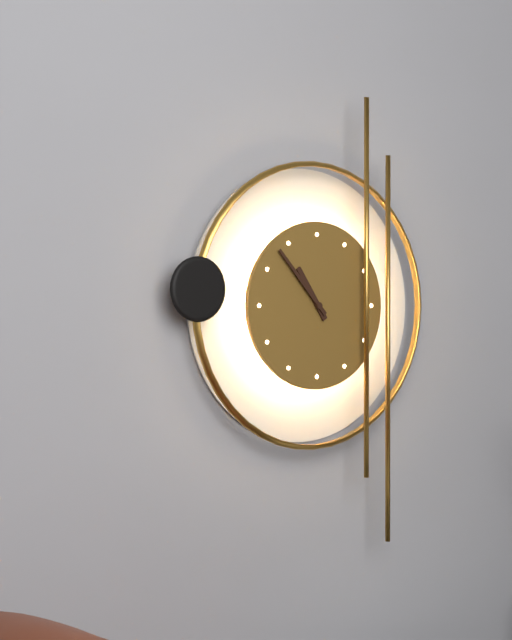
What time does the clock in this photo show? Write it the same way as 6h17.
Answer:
10h53
